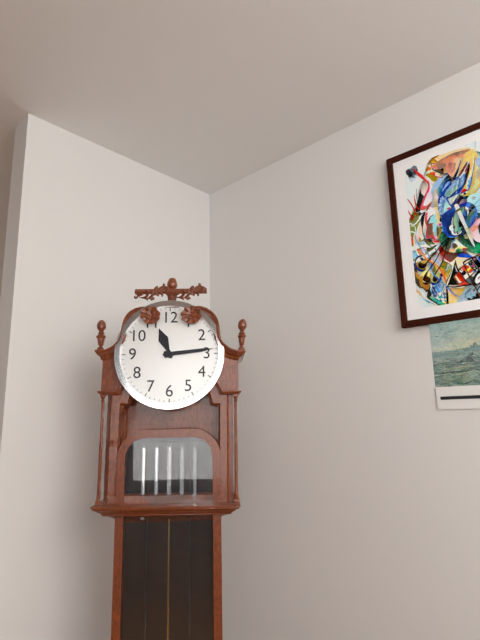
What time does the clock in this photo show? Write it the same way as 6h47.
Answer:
11h14
